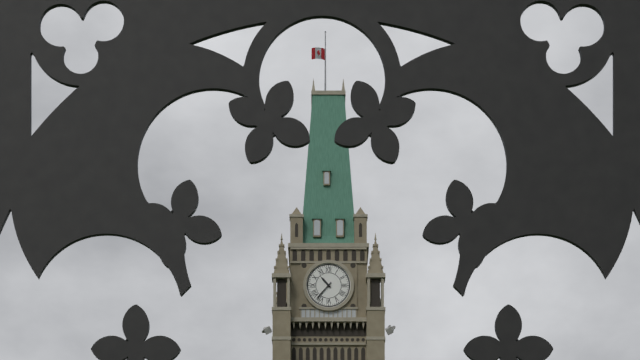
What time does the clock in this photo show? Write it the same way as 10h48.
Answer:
10h37
